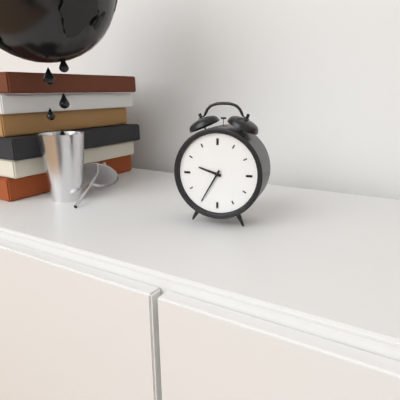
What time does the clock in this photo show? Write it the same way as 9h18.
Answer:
9h35
